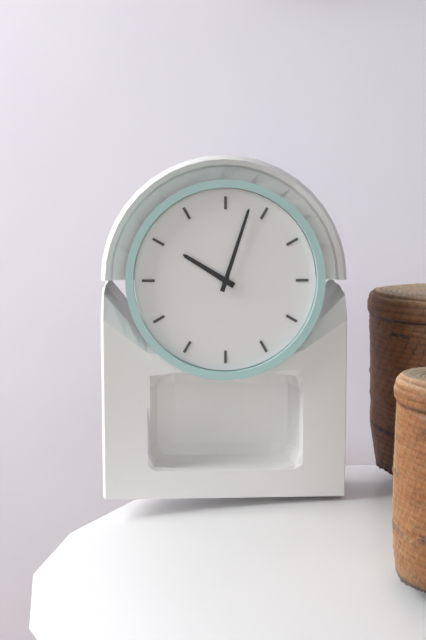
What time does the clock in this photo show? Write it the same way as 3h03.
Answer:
10h03
